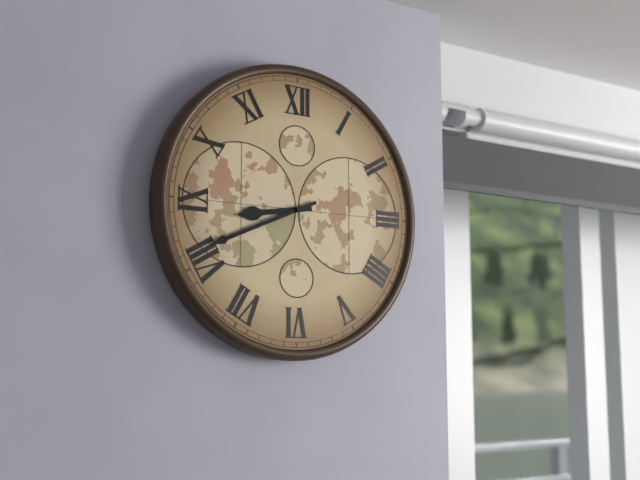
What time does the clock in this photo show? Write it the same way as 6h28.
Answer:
8h41
